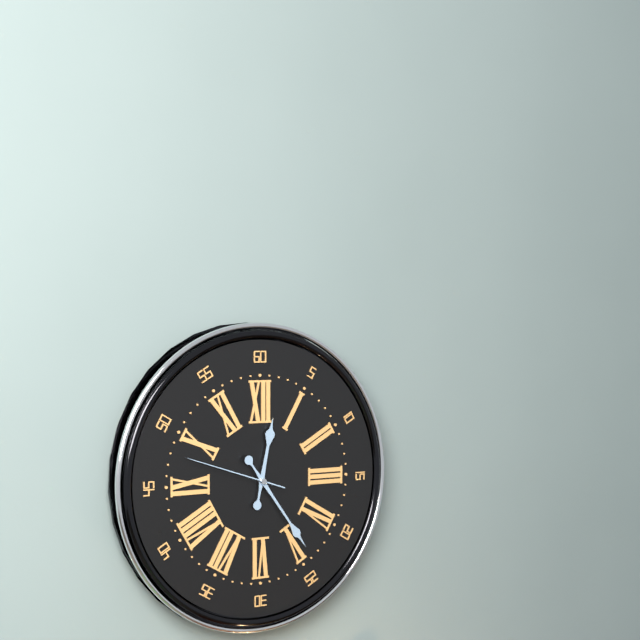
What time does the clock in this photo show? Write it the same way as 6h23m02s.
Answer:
12h24m48s
